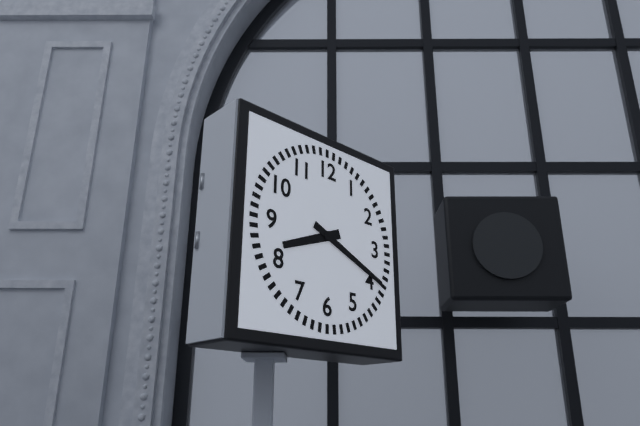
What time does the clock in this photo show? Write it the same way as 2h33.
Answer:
8h19
